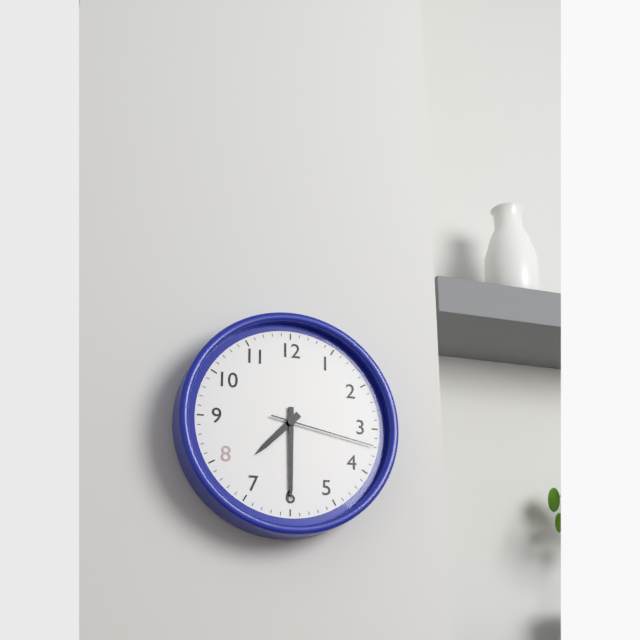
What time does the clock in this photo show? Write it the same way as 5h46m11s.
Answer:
7h30m17s
